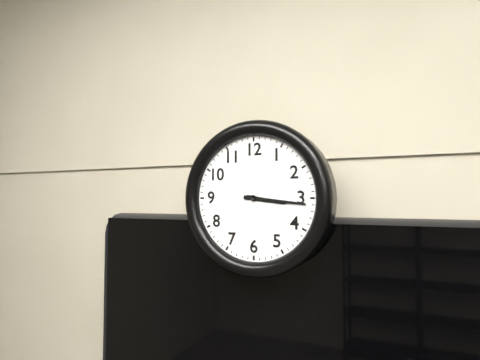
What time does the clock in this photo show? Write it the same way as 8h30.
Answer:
3h16
